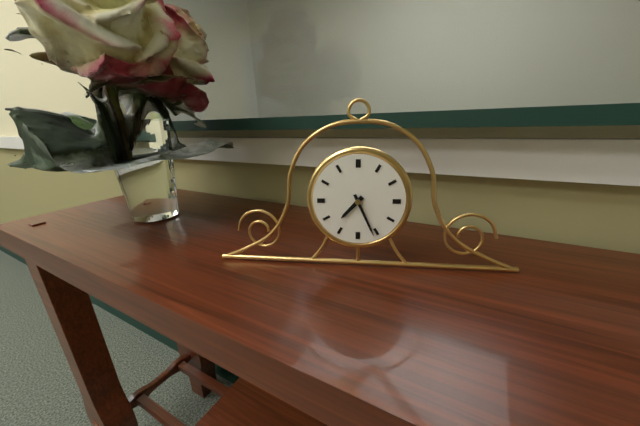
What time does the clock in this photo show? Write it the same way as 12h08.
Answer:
7h26
